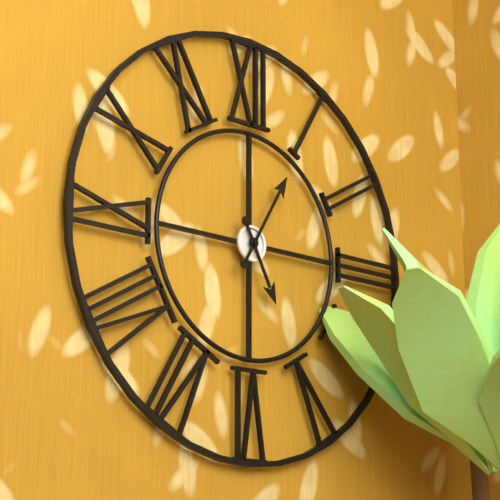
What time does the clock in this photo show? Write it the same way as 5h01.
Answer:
5h05
